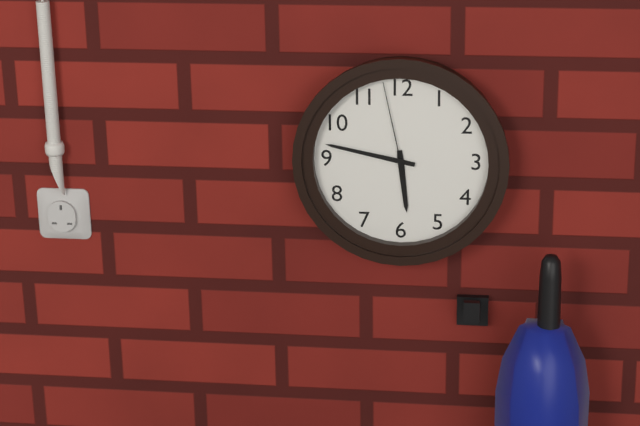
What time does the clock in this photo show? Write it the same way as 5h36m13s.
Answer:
5h47m58s
